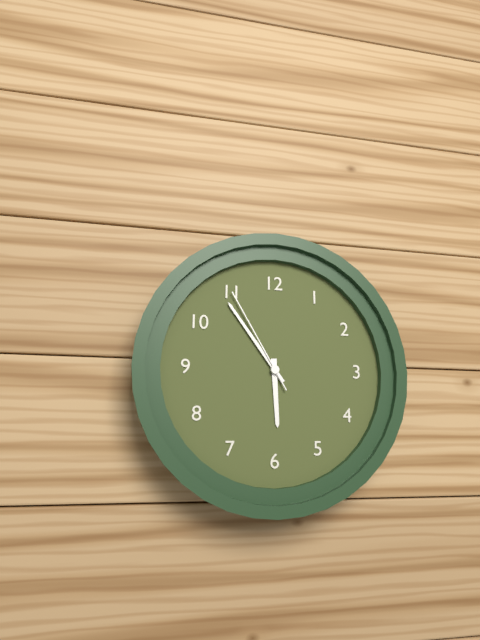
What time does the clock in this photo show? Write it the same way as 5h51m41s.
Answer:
5h54m55s
